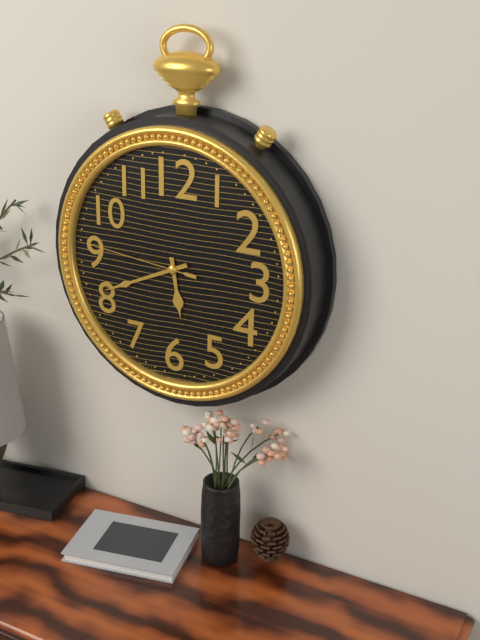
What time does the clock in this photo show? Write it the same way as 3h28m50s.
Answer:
5h41m46s
